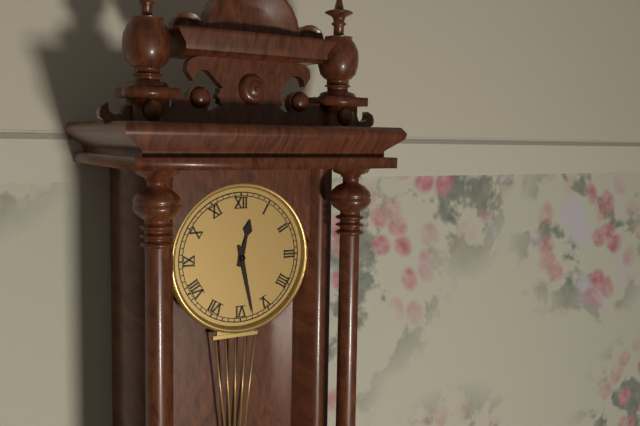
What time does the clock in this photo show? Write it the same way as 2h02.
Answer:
12h28
